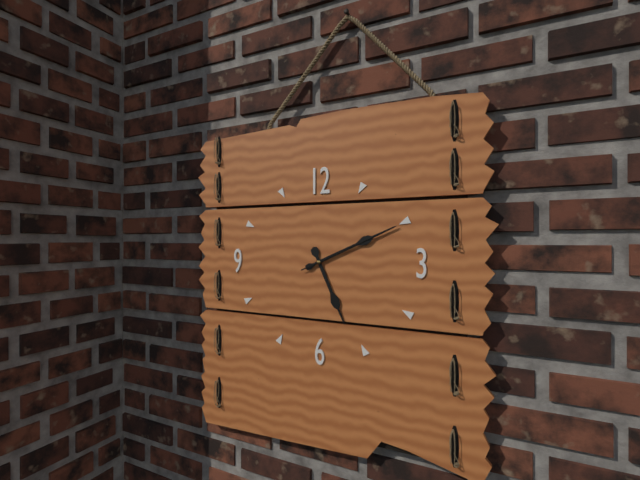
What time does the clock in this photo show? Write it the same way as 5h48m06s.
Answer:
5h11m11s
